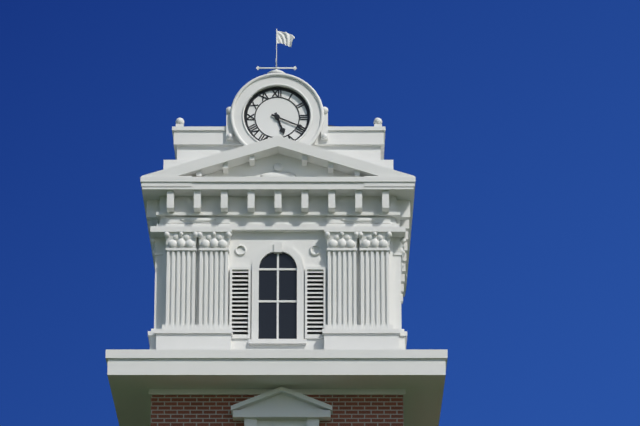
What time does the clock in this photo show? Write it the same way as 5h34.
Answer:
5h19
